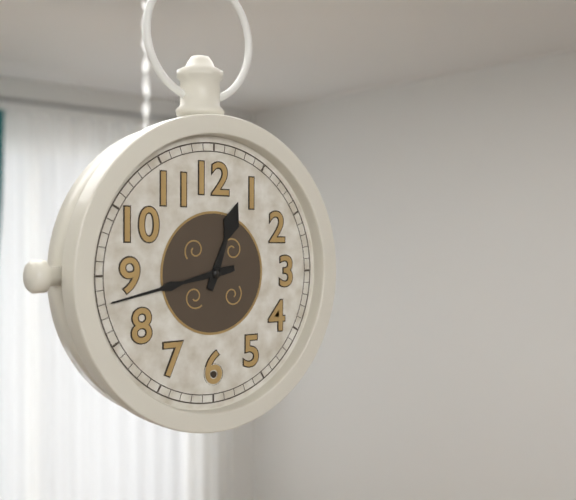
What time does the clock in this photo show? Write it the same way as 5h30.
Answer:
12h43
